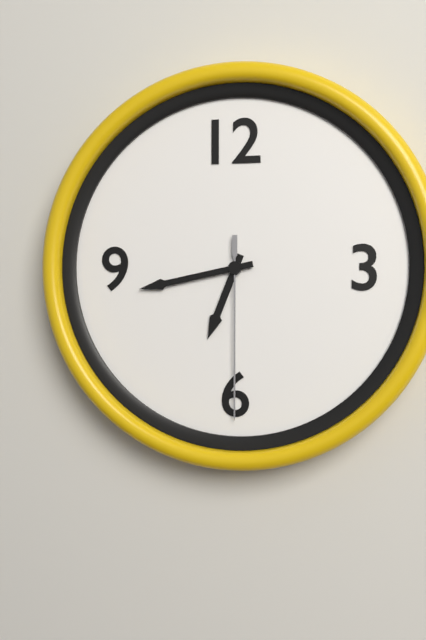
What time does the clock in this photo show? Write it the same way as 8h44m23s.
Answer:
6h43m30s
